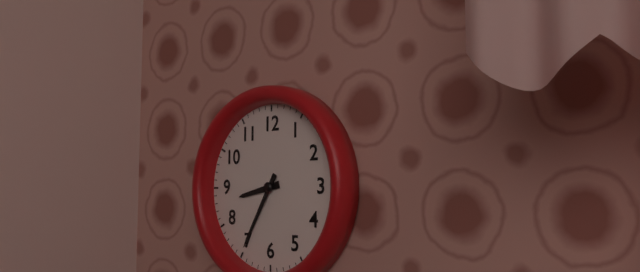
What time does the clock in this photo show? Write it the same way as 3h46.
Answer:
8h35
